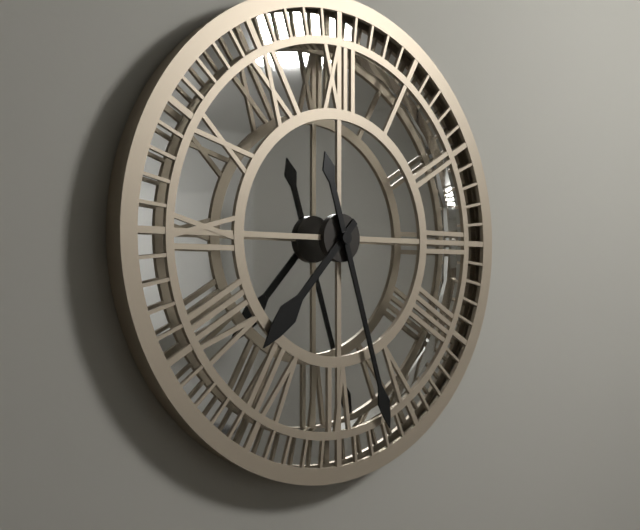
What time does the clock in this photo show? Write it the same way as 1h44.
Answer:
7h27
